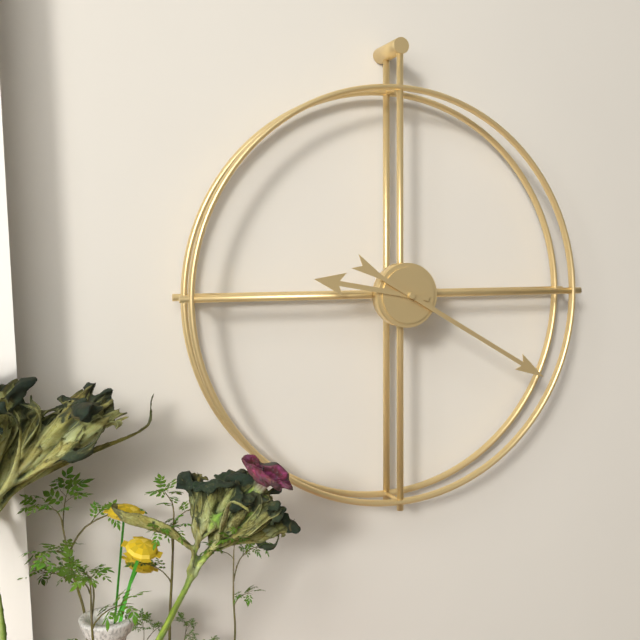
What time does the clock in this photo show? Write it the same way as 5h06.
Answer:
9h20
